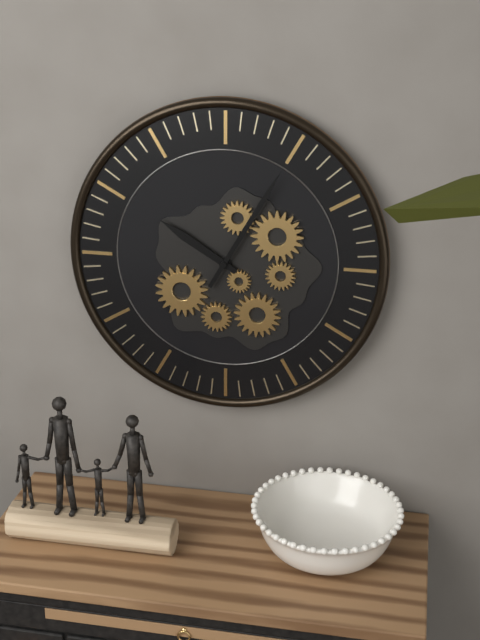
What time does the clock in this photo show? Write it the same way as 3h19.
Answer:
10h05
